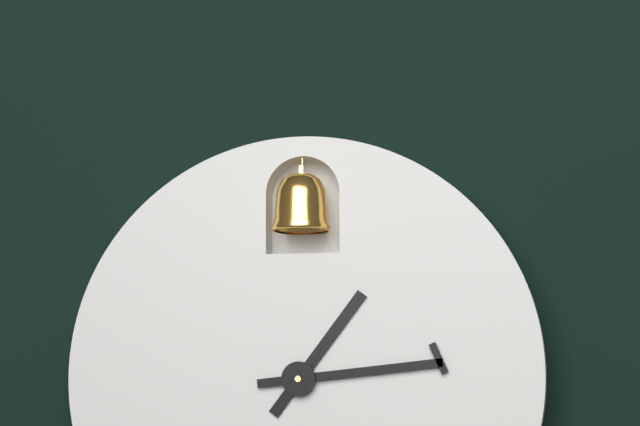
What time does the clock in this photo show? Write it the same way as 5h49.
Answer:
1h14
